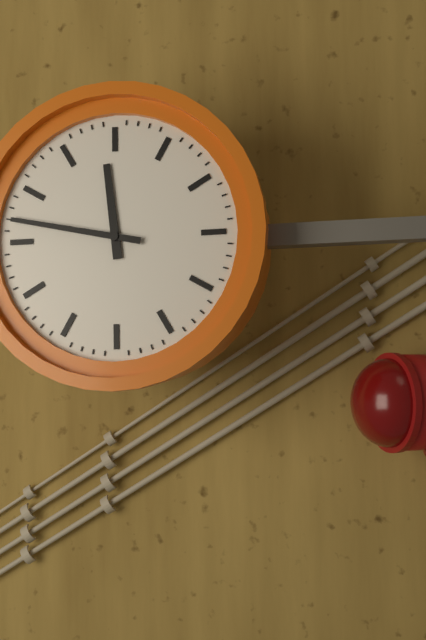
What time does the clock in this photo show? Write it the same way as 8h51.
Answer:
11h47
